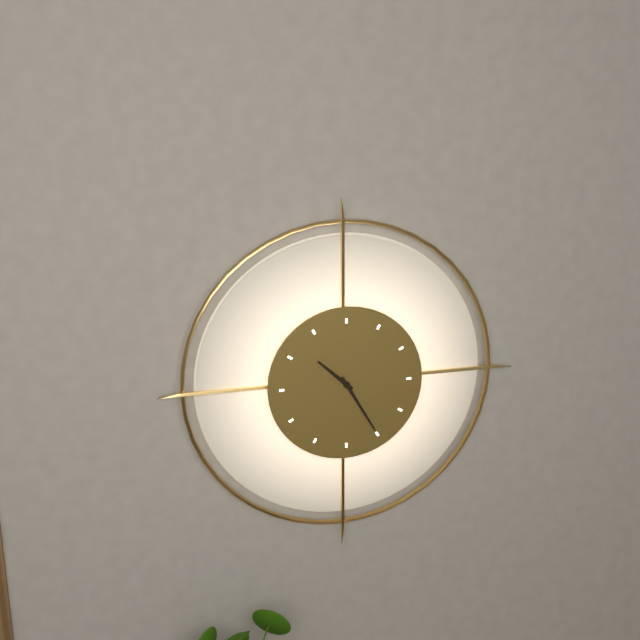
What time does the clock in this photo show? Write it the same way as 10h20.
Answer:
10h25
